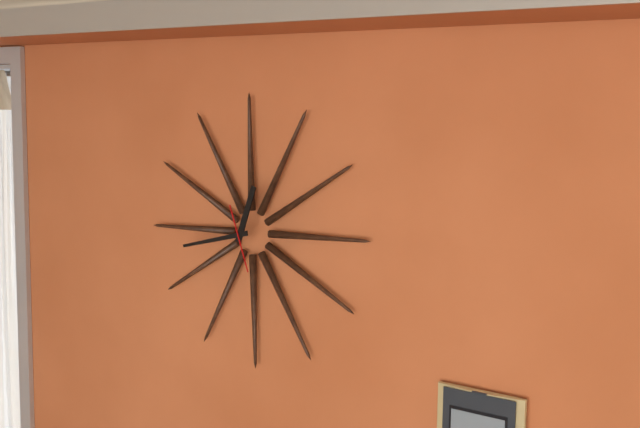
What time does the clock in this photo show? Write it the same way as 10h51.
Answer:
12h43
